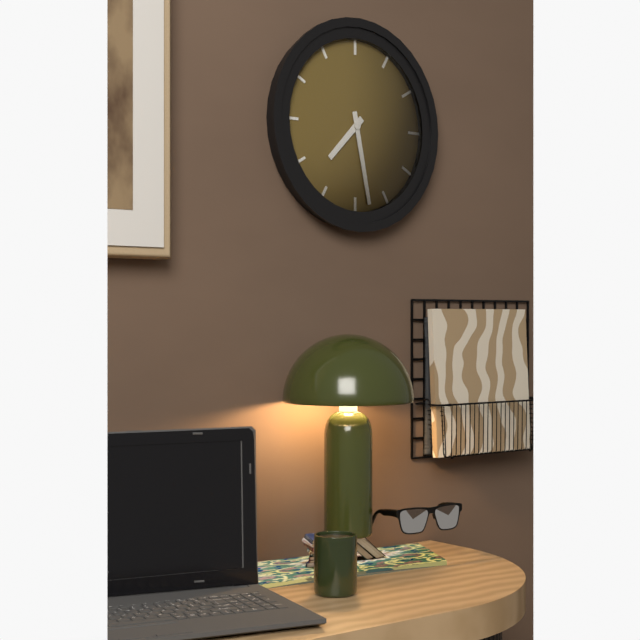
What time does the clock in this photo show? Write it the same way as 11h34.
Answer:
7h28
